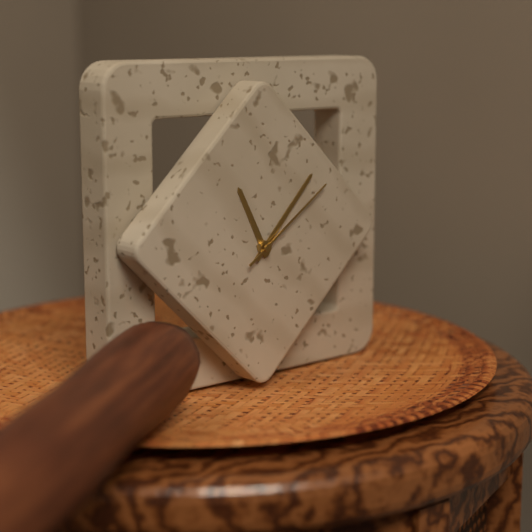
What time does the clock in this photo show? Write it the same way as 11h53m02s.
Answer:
11h07m09s
